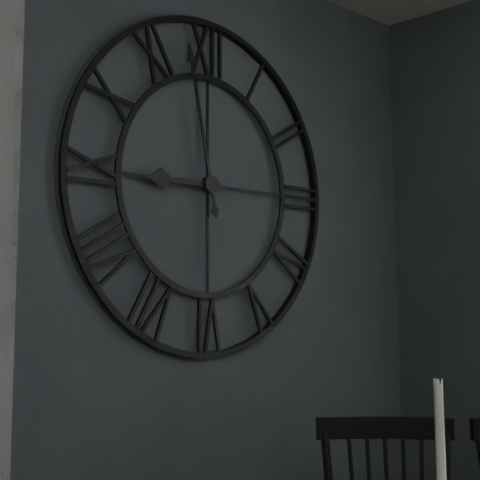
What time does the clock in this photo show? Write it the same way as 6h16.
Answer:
8h58
